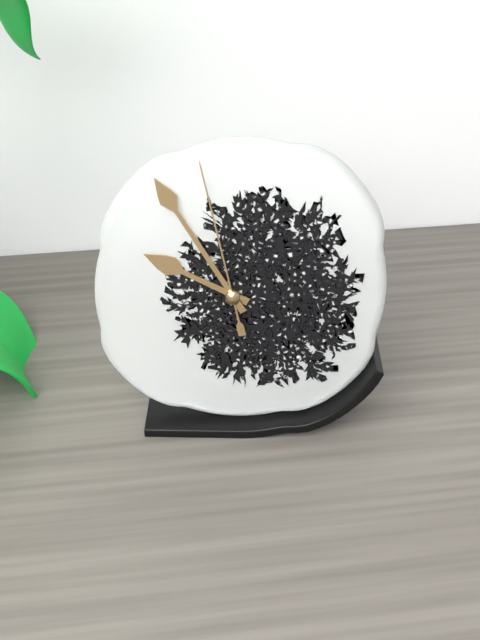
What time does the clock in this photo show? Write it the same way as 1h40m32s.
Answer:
9h55m58s
